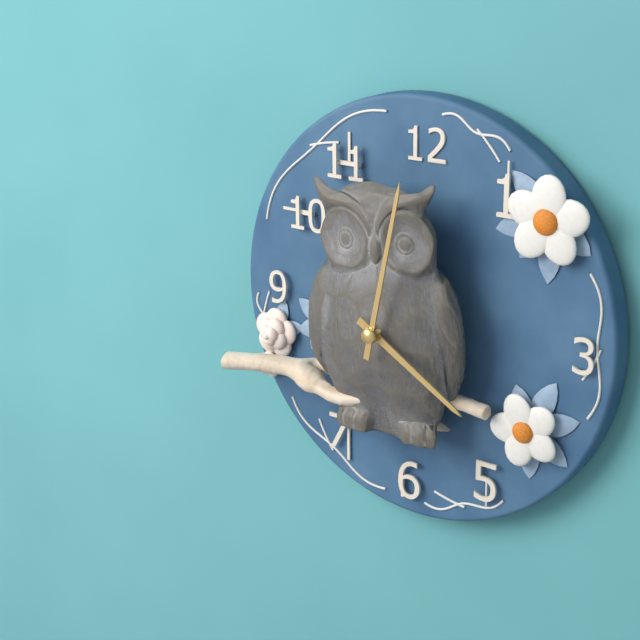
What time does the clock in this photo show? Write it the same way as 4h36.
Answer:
4h02
